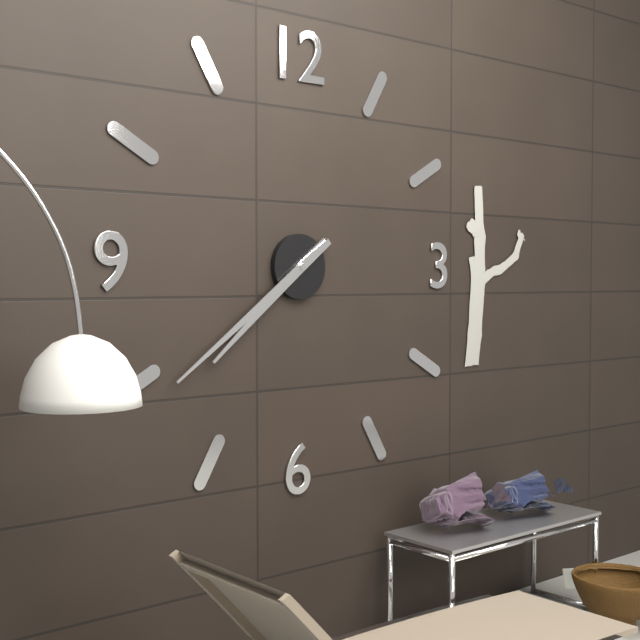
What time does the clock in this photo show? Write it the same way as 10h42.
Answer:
7h39
